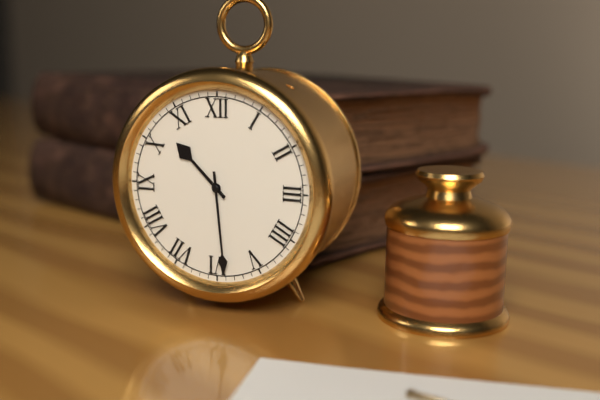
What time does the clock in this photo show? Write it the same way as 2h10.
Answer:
10h29
